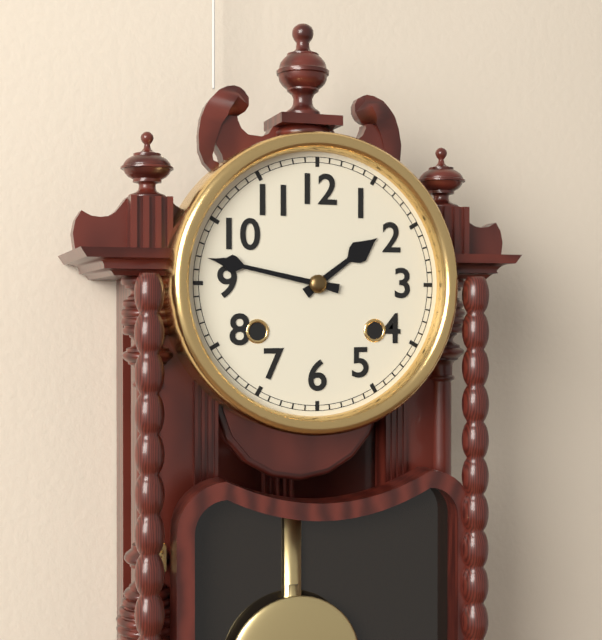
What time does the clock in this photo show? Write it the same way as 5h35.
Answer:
1h47
